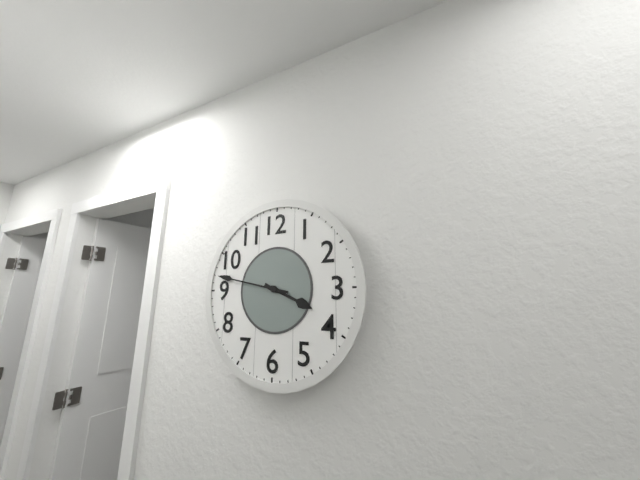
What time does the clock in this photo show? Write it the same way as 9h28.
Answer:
3h47
